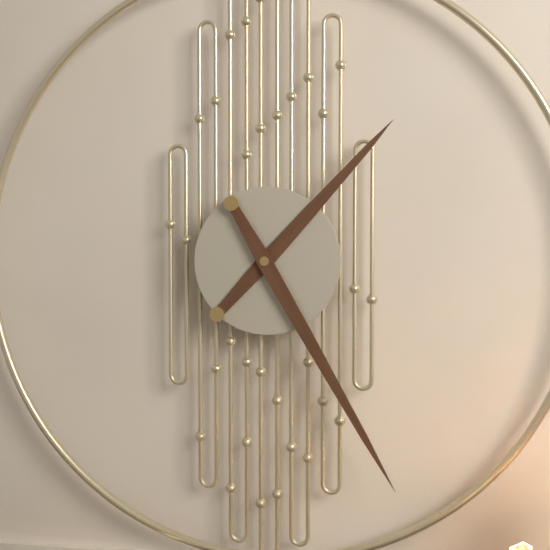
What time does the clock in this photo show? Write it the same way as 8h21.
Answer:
1h25
